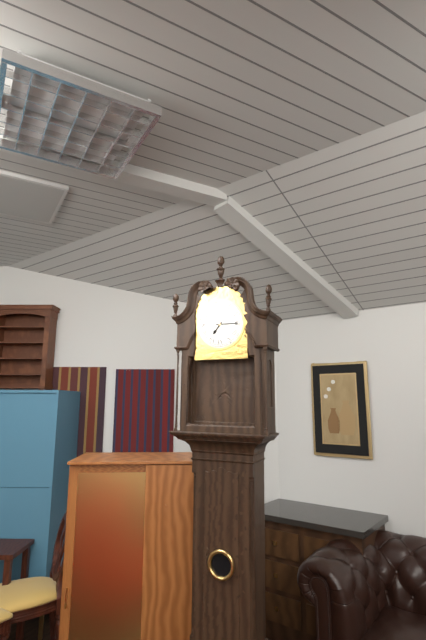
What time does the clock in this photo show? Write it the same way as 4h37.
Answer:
7h15
